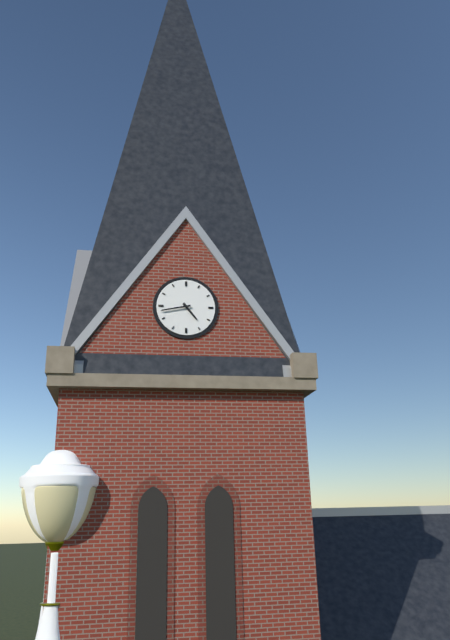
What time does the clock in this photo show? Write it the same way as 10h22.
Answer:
4h43
